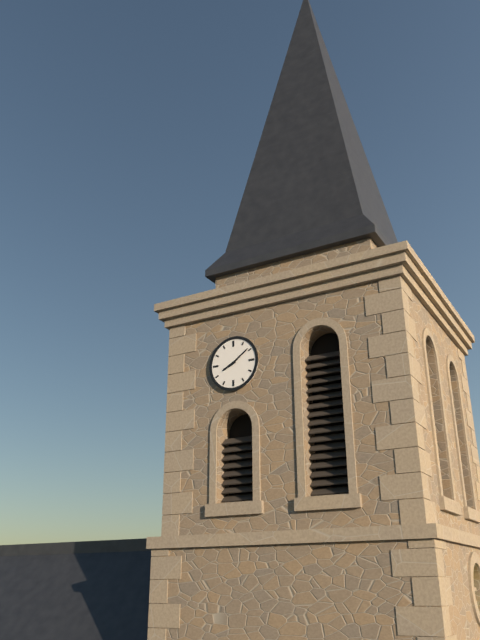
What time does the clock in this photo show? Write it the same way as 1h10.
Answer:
8h09
